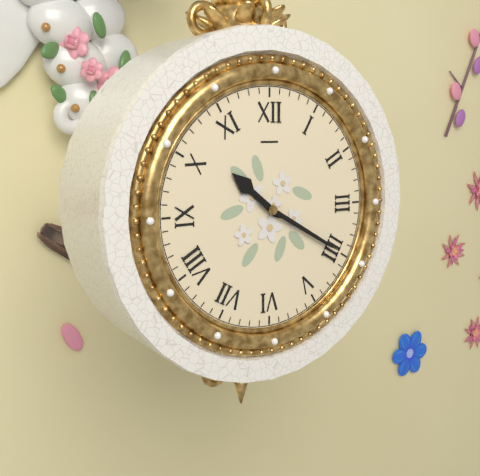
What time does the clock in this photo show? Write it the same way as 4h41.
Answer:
10h20
